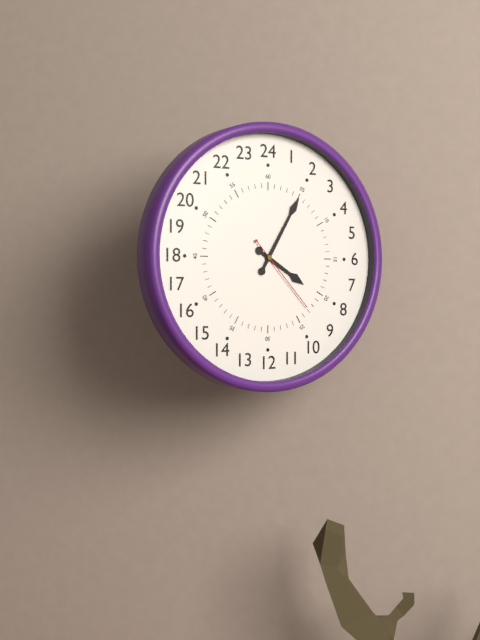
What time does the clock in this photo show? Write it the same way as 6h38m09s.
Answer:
4h05m23s
